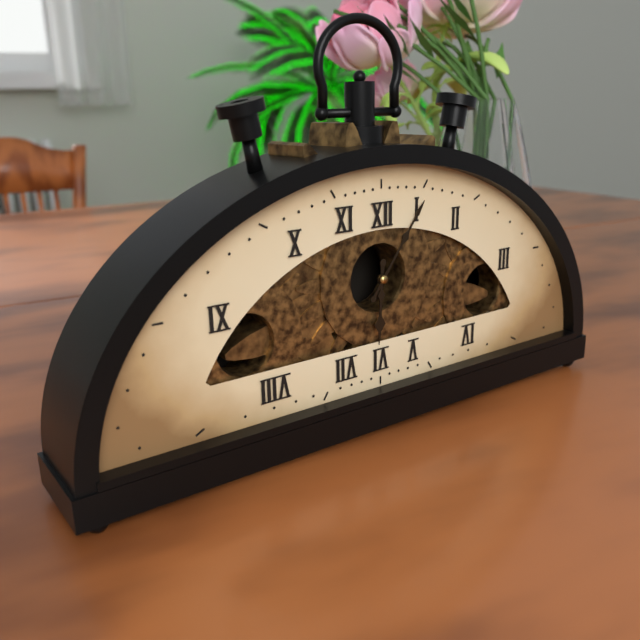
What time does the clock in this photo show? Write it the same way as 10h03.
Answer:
6h06
